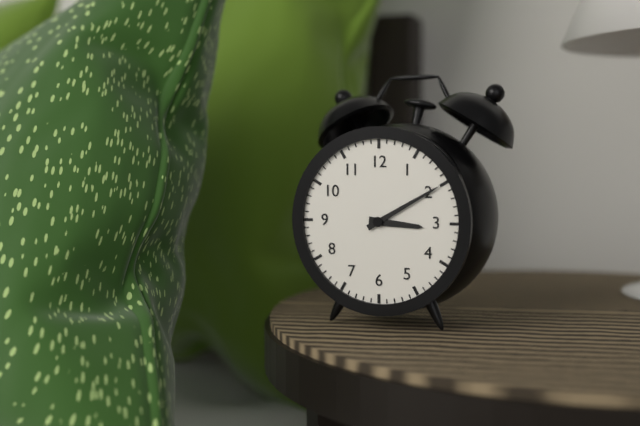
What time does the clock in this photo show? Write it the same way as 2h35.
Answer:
3h10
